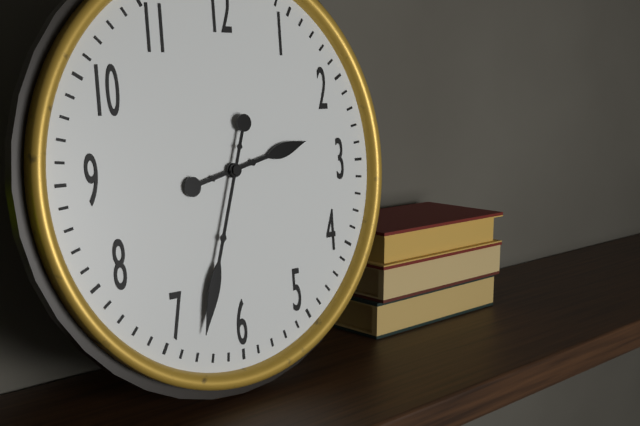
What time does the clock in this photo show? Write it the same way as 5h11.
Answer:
2h33
